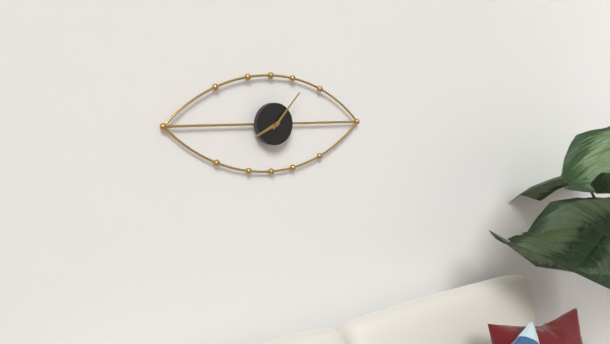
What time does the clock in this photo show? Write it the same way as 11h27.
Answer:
8h07
